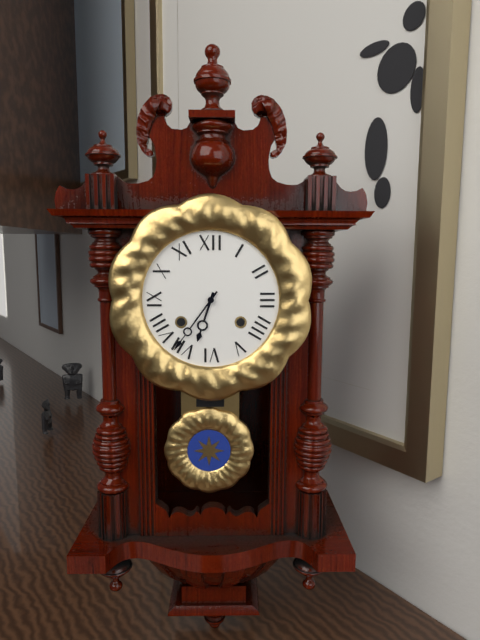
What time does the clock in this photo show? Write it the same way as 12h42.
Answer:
6h36
